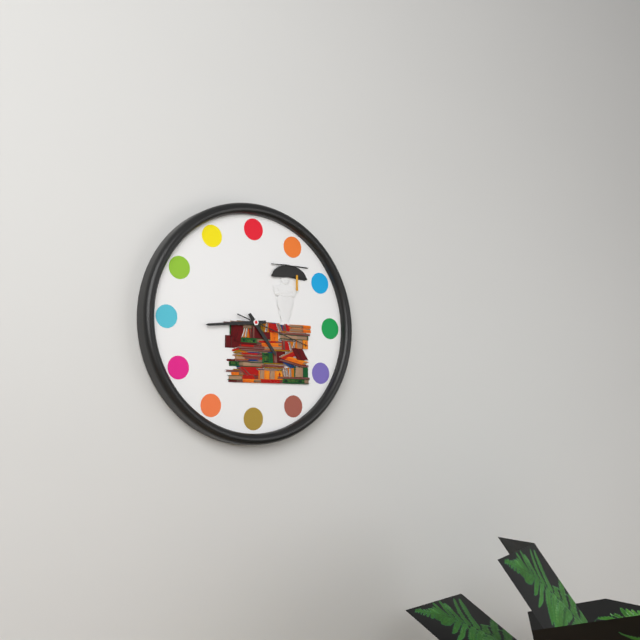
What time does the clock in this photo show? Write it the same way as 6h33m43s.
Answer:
4h44m18s
